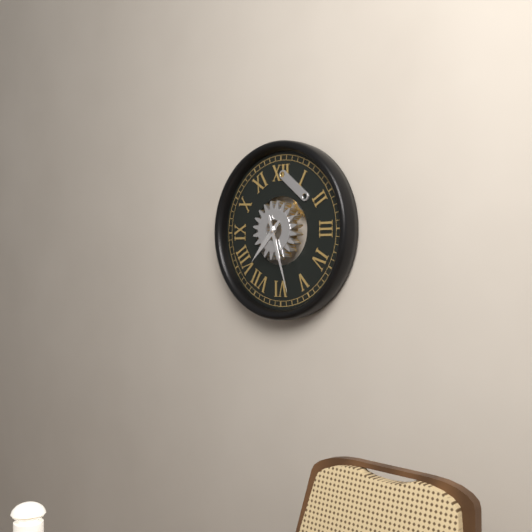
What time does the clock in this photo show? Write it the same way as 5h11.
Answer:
7h27
